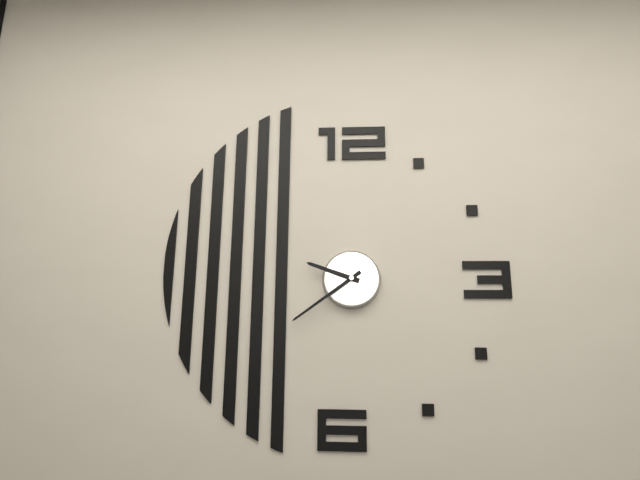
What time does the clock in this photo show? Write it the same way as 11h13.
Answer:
9h39
